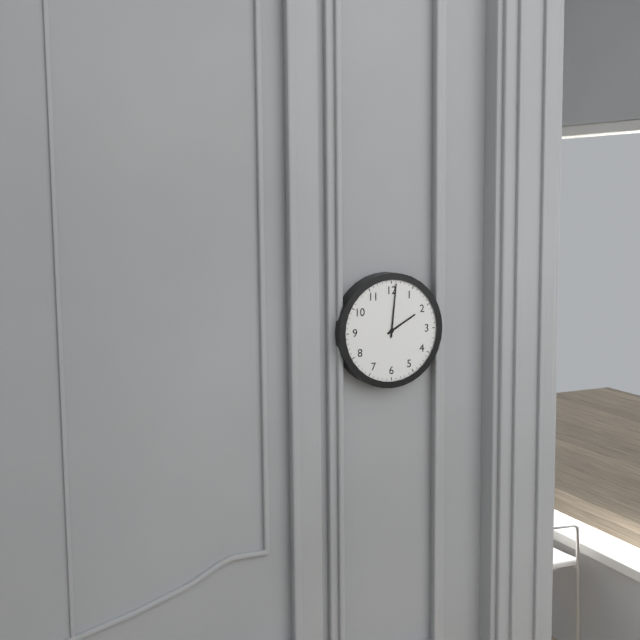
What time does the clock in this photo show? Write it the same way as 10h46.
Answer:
2h01
